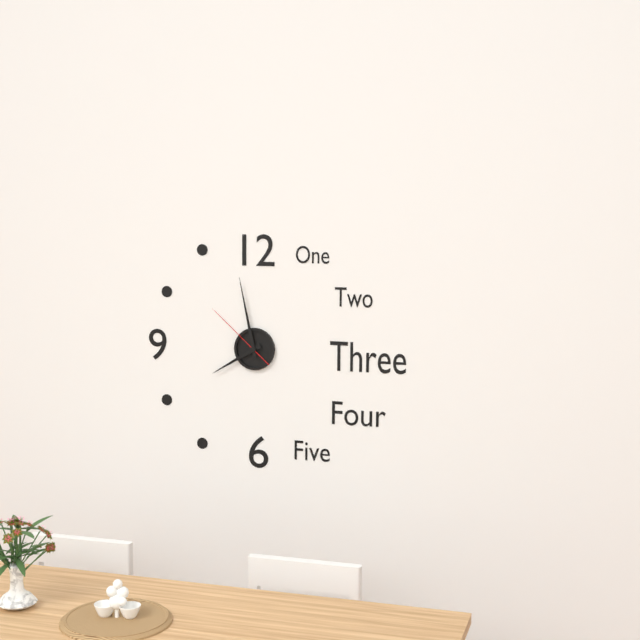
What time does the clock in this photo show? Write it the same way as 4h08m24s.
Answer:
7h58m52s
